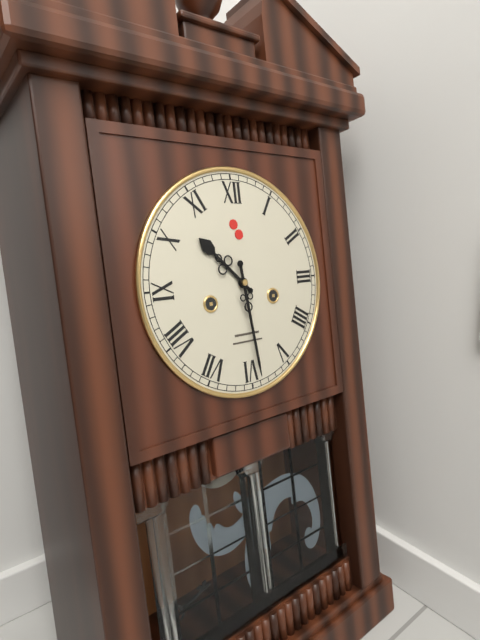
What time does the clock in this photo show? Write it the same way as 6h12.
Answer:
10h29
